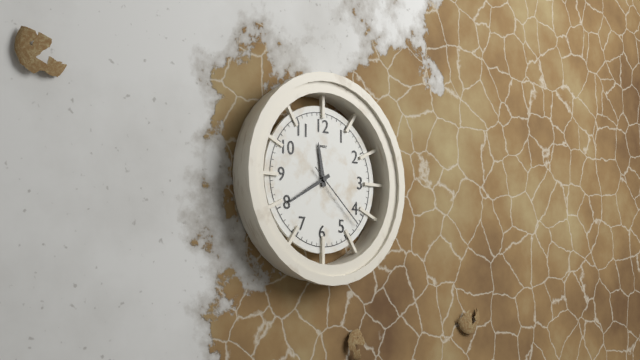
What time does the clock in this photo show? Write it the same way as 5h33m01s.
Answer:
11h40m22s
